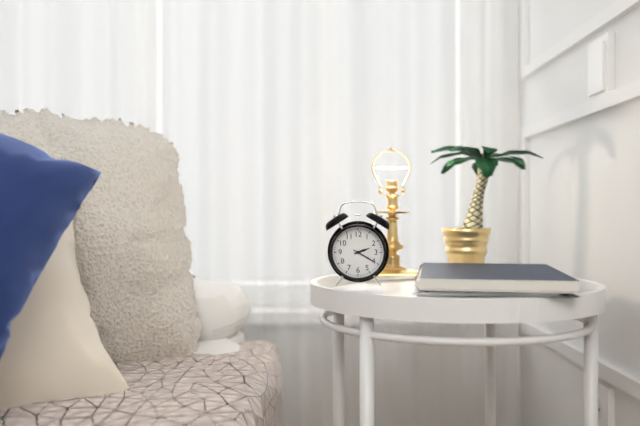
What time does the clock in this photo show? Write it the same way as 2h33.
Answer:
2h20
